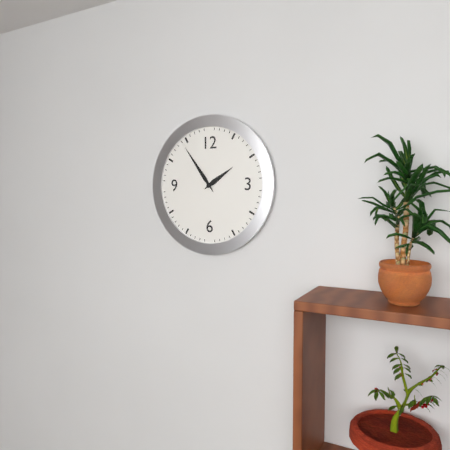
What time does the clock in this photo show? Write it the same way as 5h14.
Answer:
1h54
